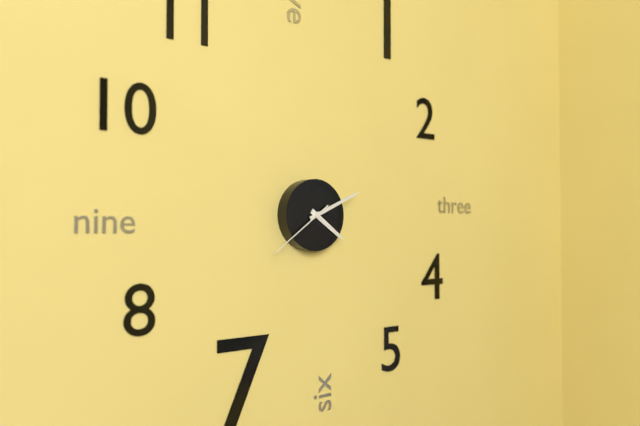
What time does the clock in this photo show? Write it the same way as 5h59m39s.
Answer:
4h11m39s
